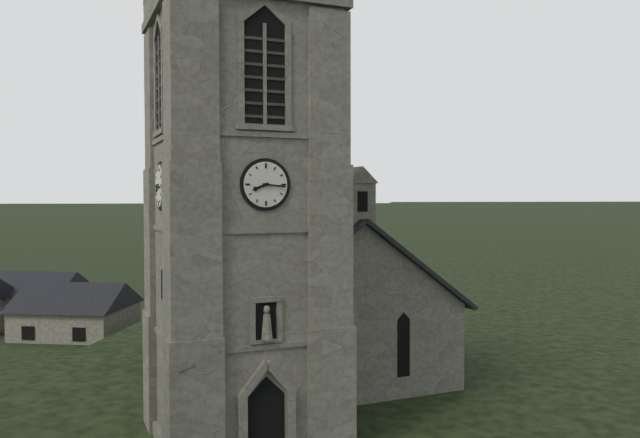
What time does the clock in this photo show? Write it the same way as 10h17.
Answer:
8h16
